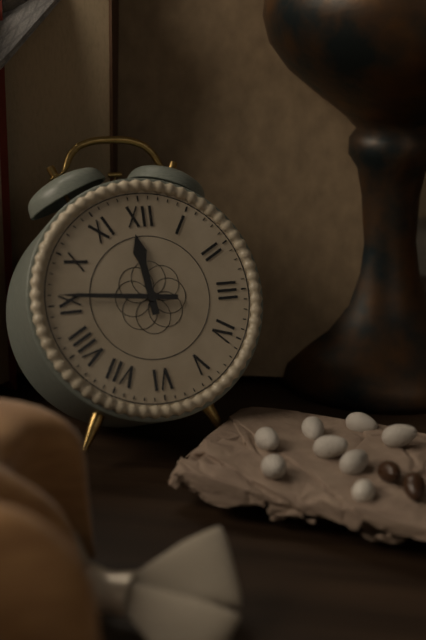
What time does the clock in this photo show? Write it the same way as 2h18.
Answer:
11h46
